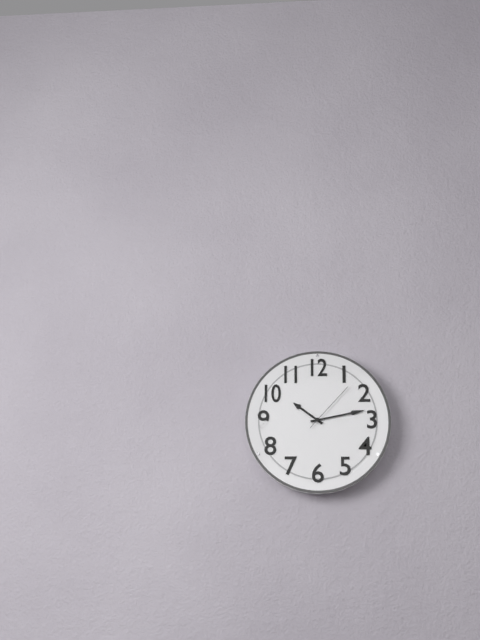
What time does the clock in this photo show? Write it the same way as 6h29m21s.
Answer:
10h13m07s
